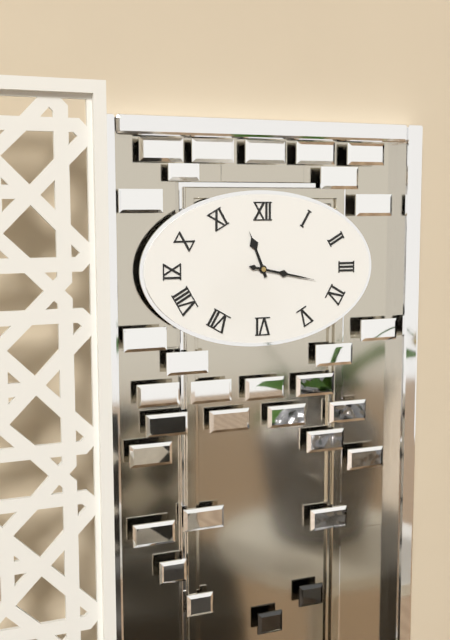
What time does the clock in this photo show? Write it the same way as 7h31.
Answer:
11h17
